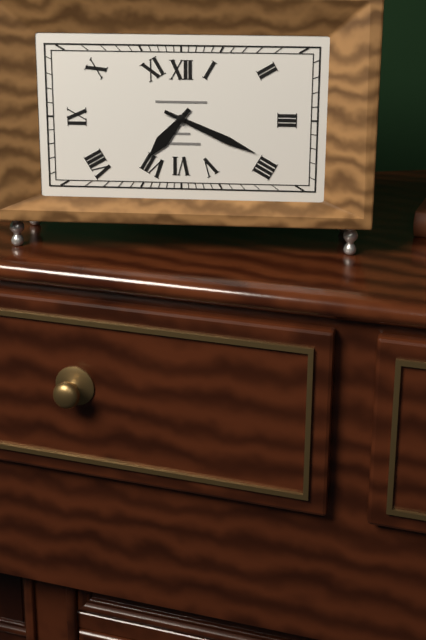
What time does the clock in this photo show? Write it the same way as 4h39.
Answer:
7h19
